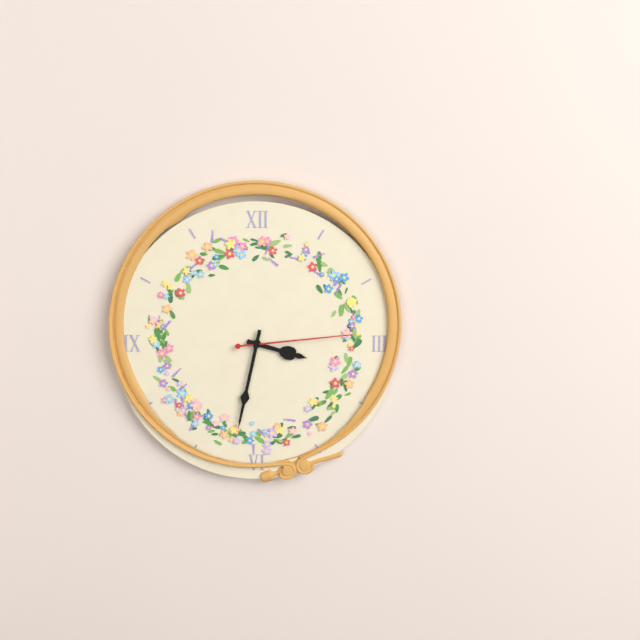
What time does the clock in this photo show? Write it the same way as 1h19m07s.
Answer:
3h32m14s
